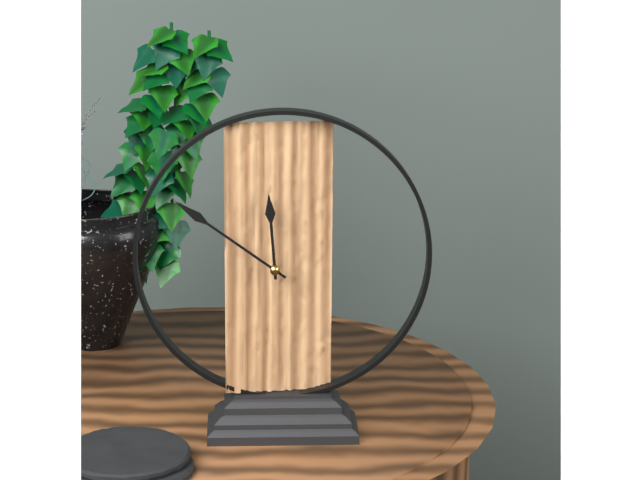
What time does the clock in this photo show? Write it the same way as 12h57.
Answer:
11h51
